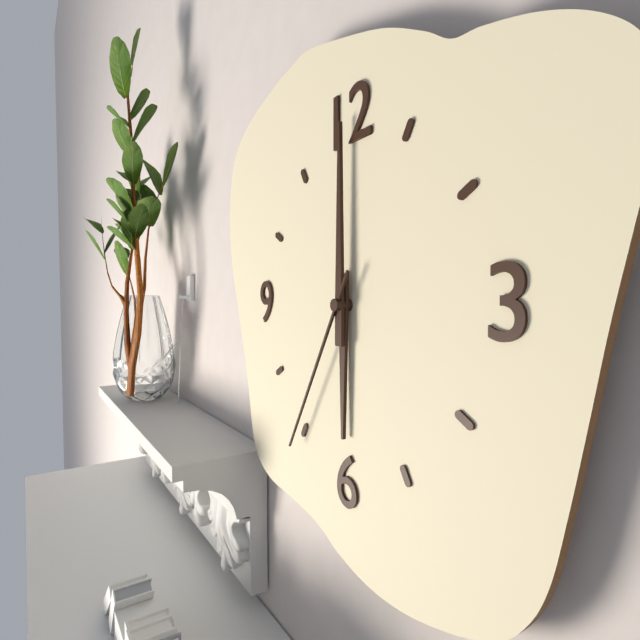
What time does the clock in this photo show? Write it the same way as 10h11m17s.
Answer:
6h00m35s
